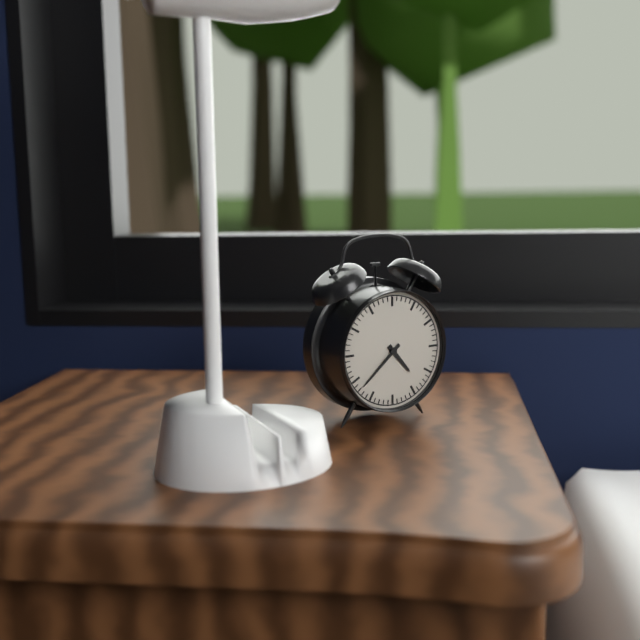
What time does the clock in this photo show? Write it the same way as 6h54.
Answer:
4h38
